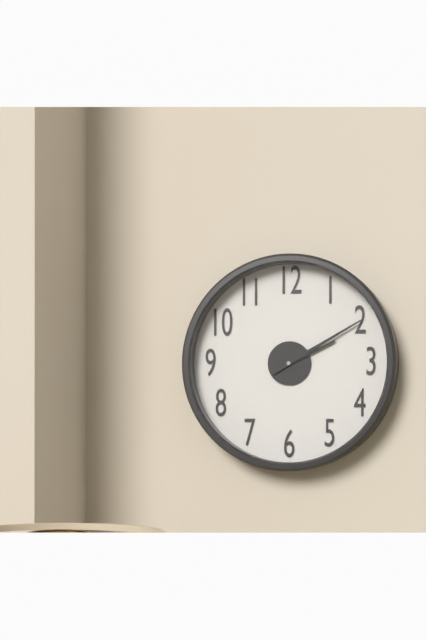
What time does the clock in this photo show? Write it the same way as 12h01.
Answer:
2h10
